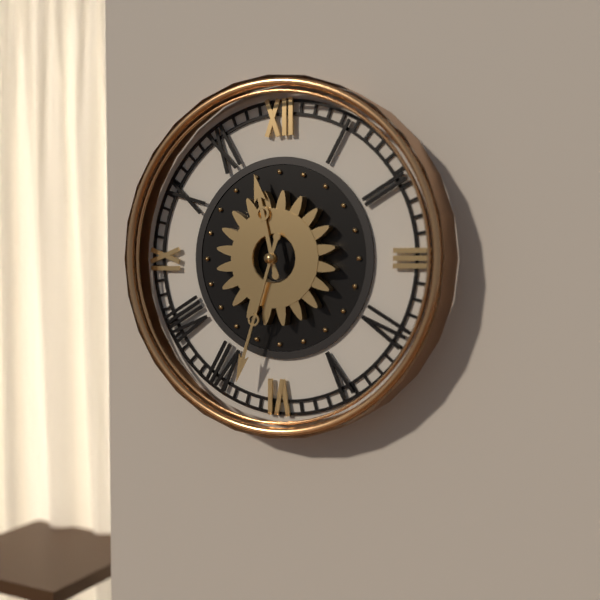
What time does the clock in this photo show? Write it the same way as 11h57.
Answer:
11h33
